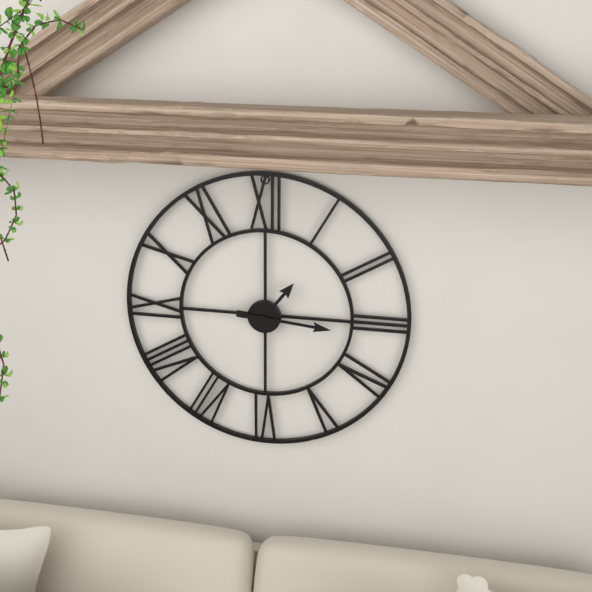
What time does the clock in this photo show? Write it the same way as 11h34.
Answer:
1h16
